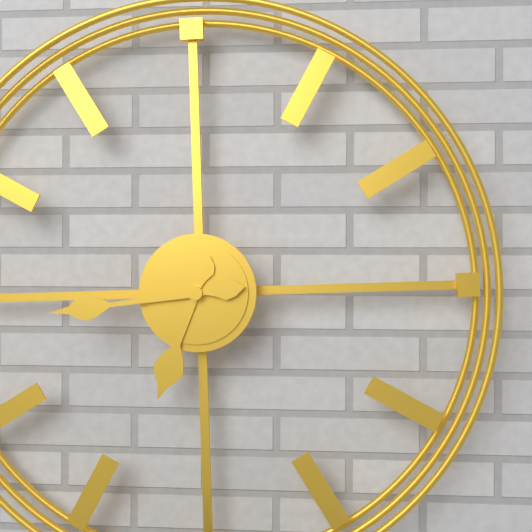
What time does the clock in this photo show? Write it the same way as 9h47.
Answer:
6h44
